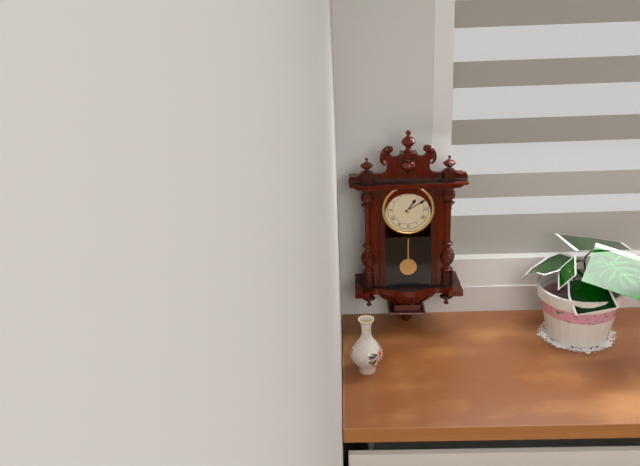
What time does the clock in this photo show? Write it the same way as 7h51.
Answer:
1h10
